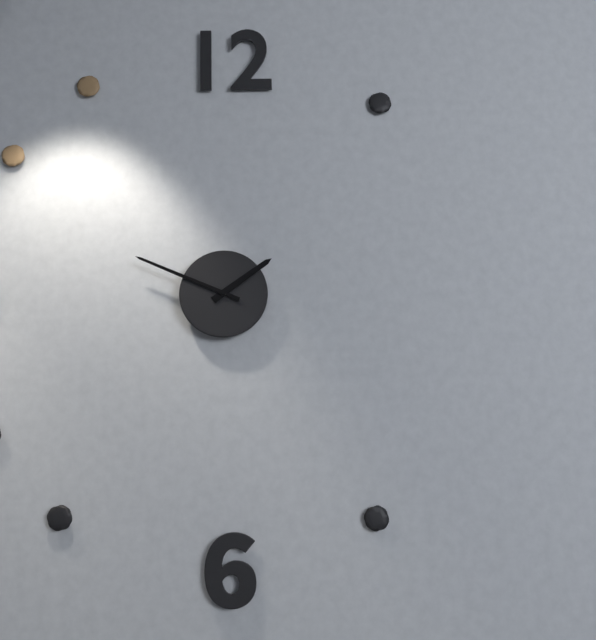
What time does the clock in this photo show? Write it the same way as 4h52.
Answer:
1h49
